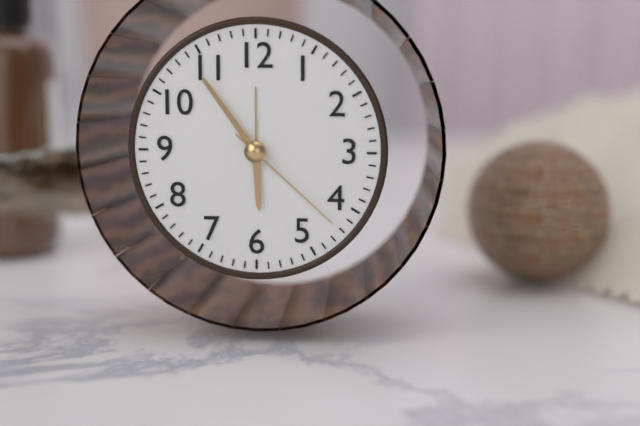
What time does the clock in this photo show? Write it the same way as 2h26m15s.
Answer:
5h54m22s
